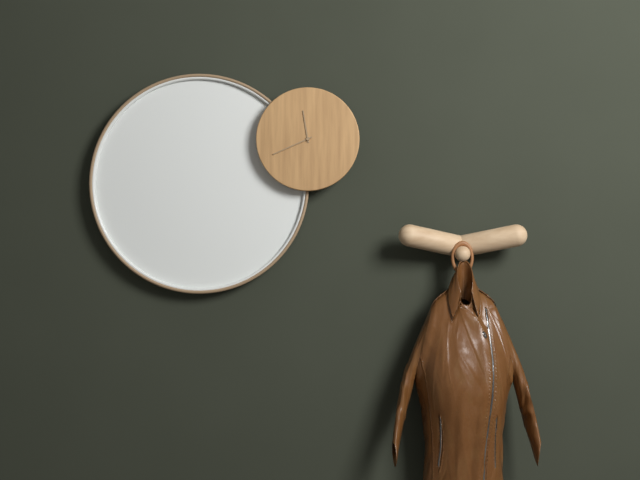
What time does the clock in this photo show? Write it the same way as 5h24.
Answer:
11h41
